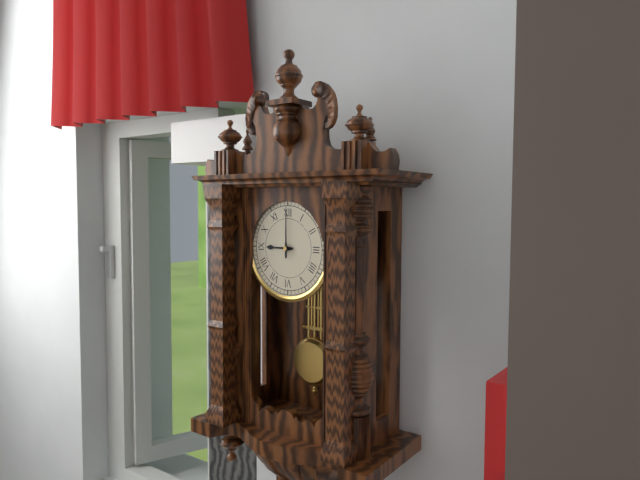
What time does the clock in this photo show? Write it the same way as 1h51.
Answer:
9h00
